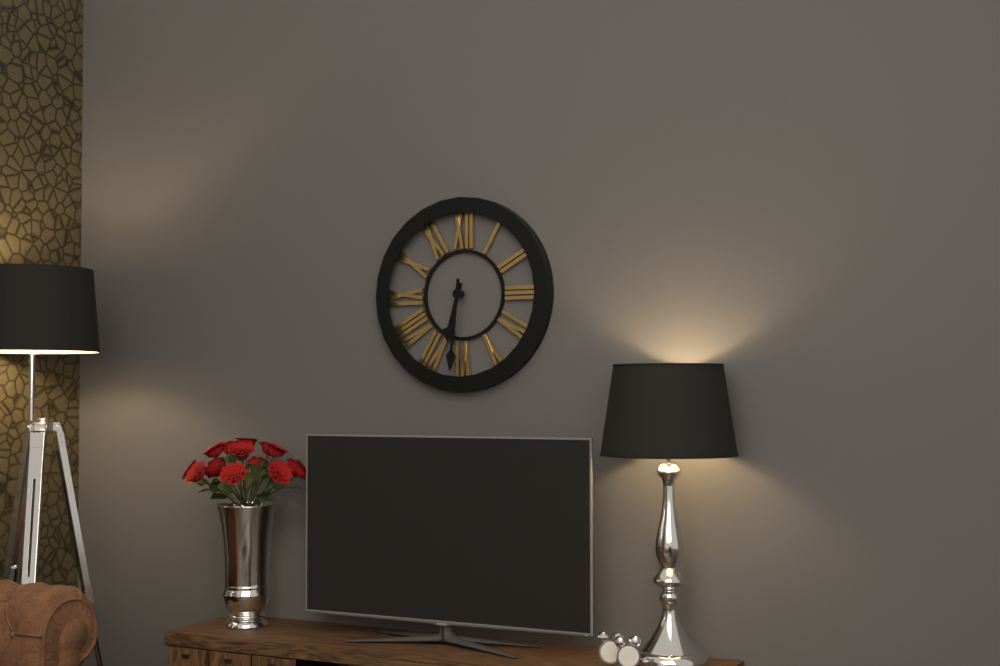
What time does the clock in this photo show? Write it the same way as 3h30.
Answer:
6h31
